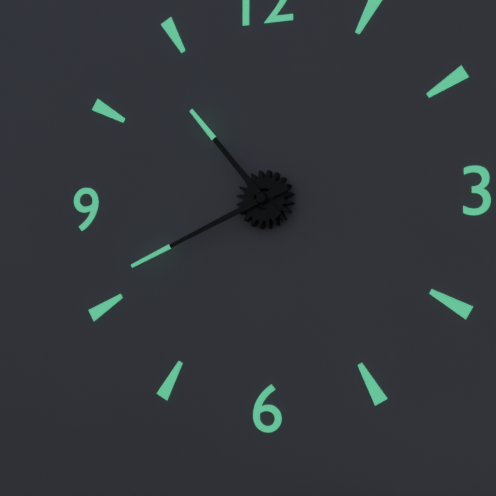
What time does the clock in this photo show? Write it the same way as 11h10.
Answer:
10h41
